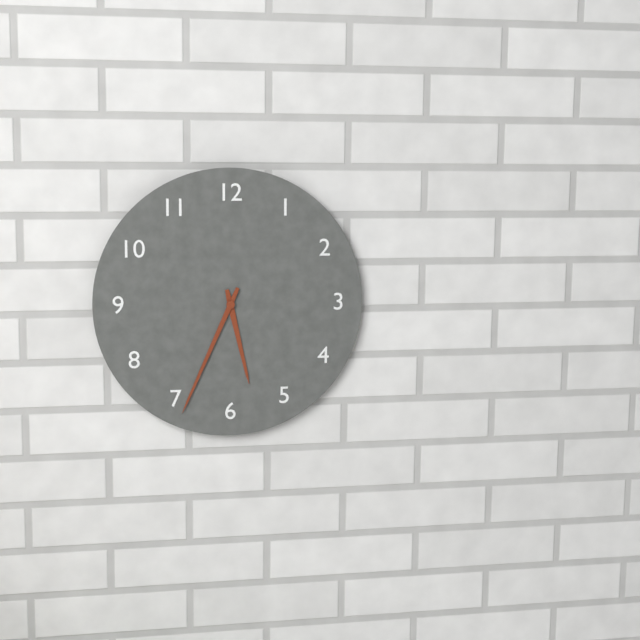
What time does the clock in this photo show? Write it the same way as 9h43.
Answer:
5h34
